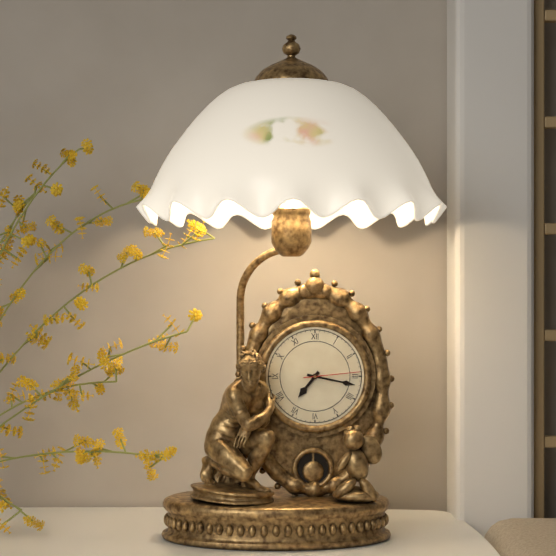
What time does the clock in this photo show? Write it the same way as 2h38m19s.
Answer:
7h17m14s
